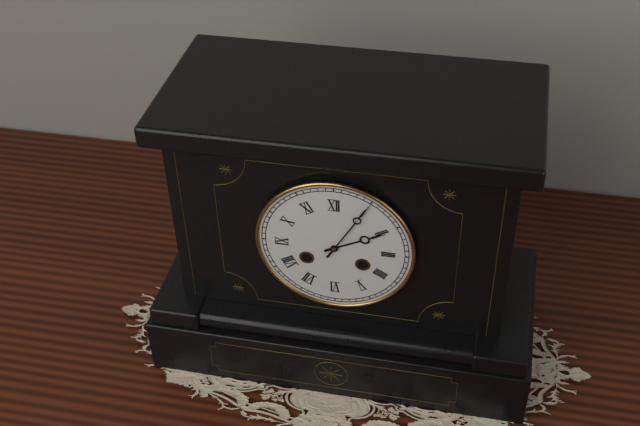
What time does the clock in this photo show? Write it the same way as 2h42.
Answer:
2h05
